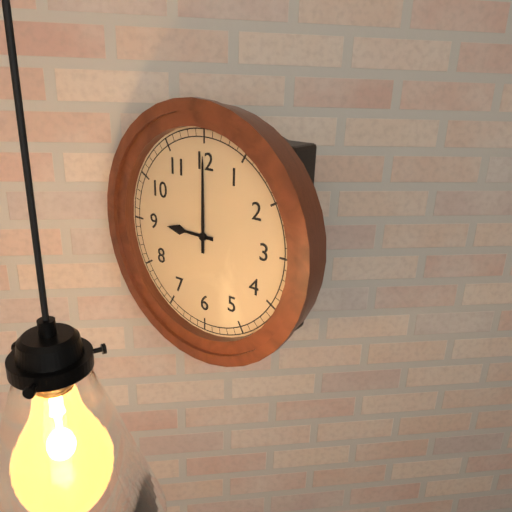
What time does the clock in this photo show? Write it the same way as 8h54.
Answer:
9h00
